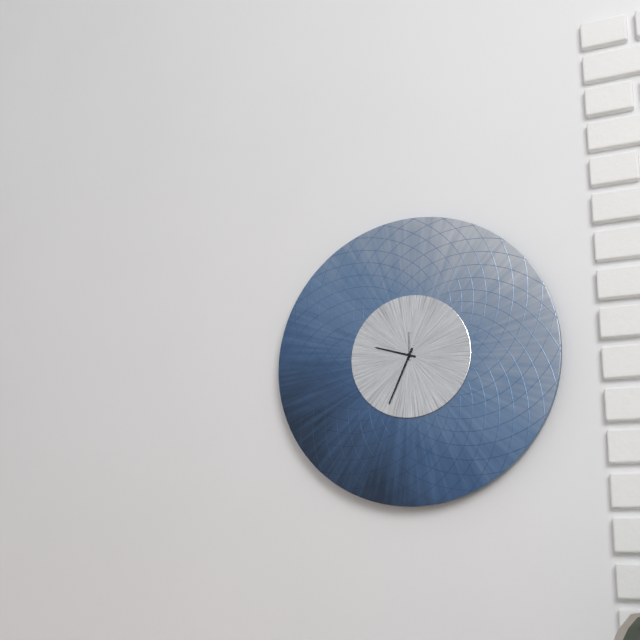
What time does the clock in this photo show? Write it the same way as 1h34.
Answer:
9h34
